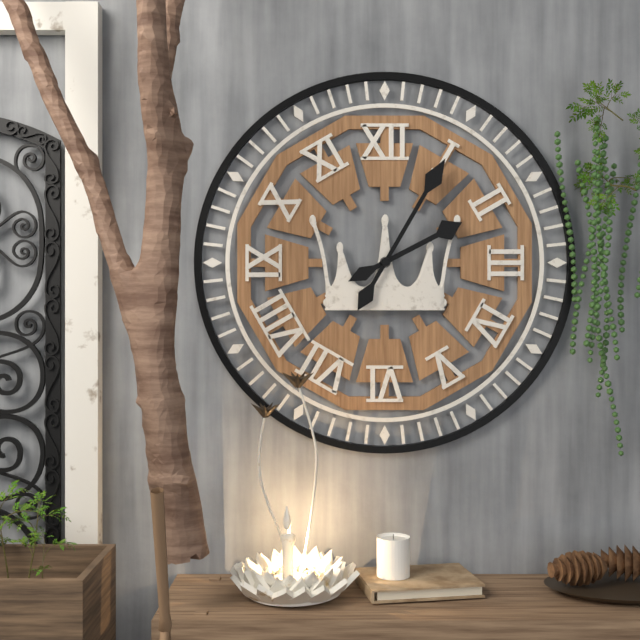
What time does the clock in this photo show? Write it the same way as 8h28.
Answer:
2h05
